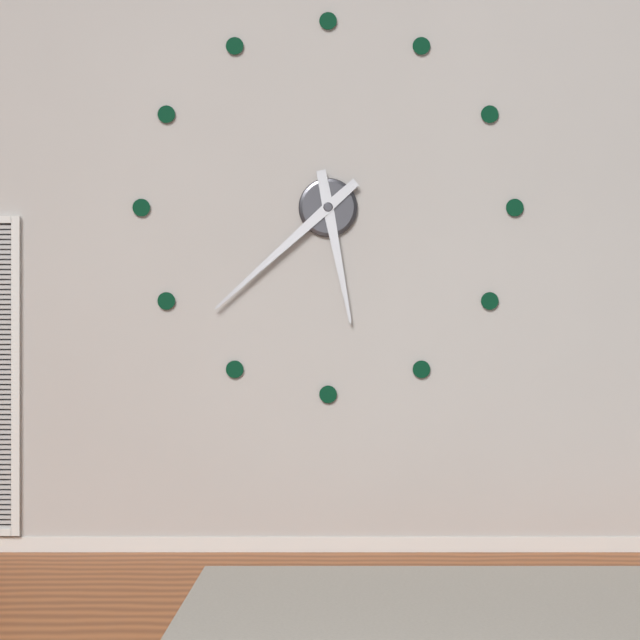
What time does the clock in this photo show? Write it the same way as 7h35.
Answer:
5h38
